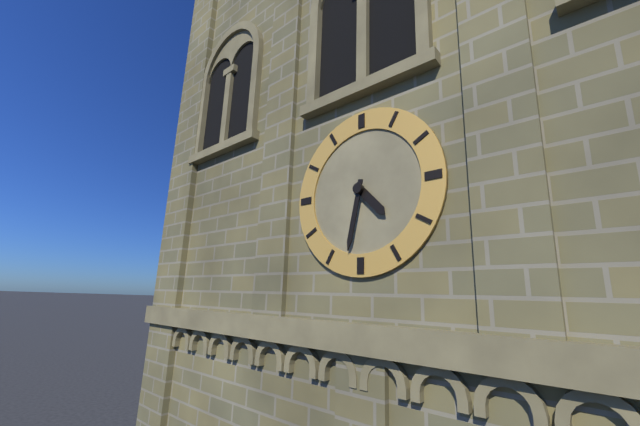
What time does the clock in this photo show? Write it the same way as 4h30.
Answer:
4h32
